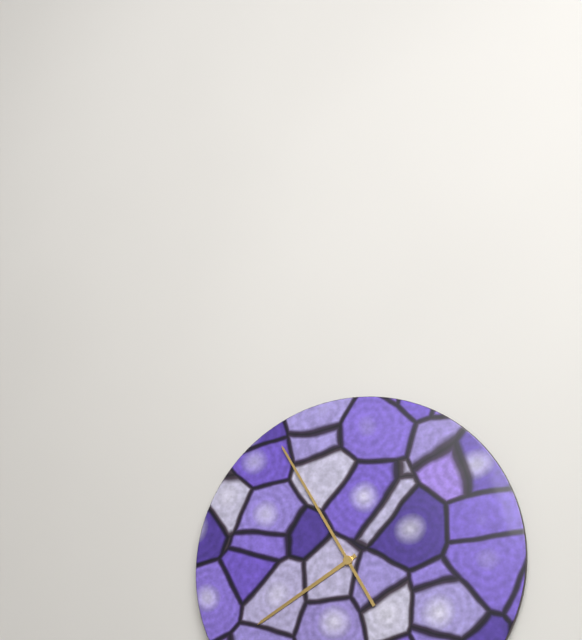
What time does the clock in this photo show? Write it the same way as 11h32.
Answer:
7h55
